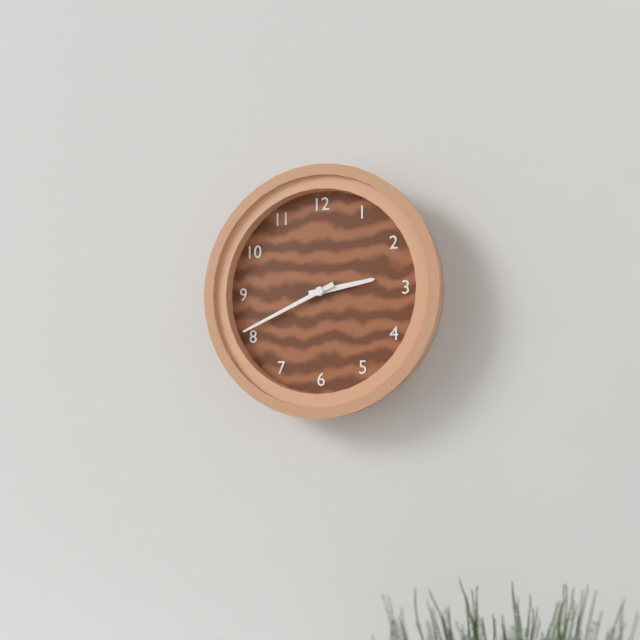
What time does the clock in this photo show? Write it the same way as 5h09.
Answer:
2h41
